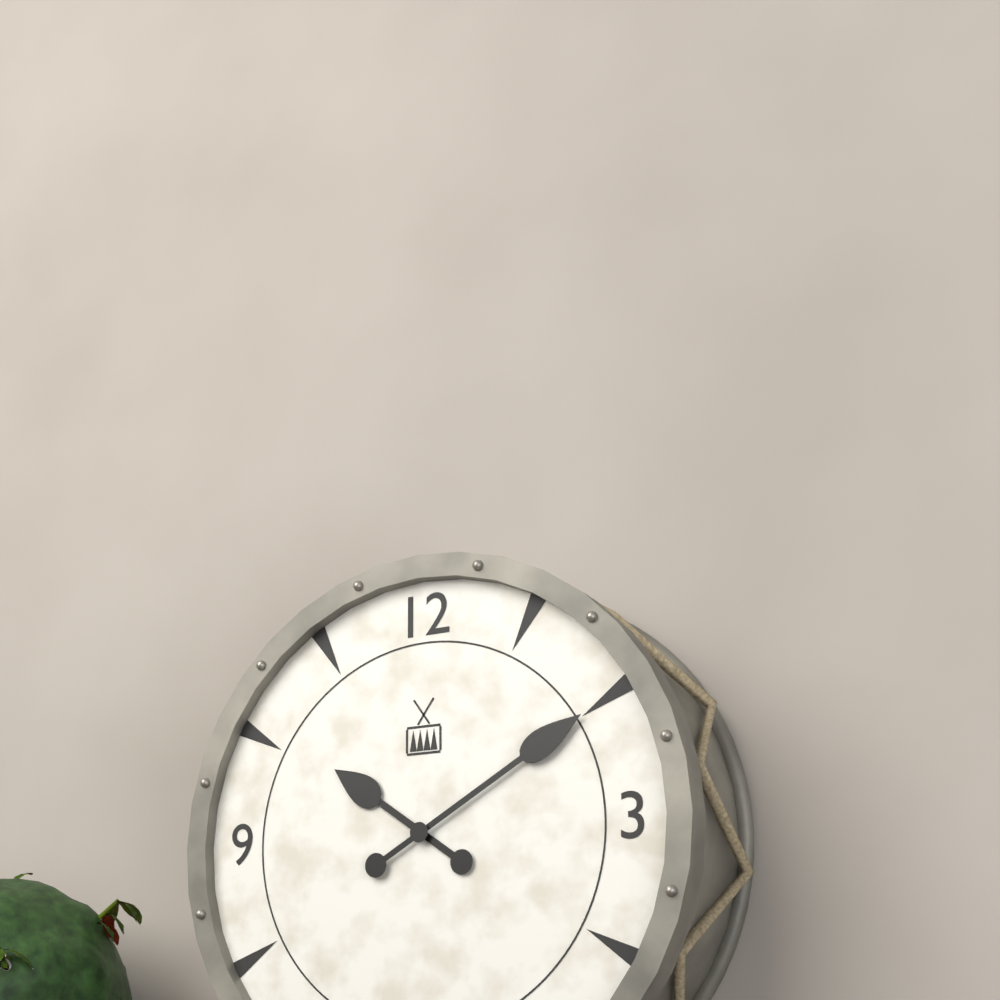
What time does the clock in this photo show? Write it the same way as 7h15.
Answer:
10h10
